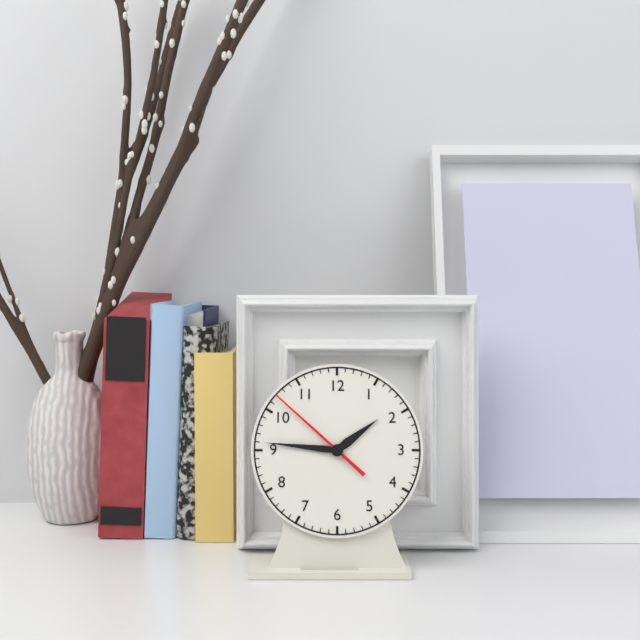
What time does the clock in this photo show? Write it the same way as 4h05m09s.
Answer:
1h46m52s
